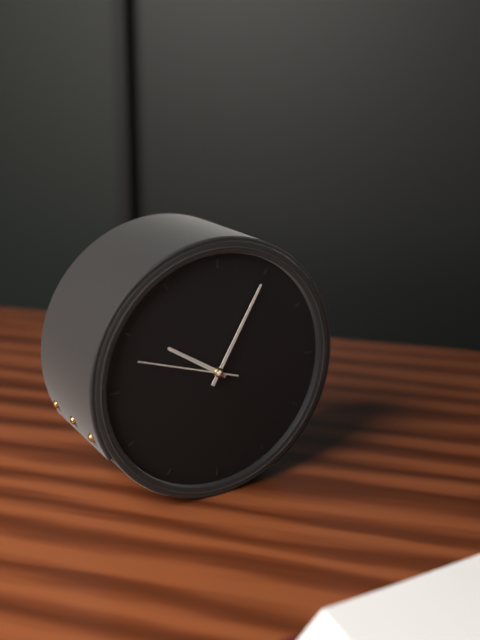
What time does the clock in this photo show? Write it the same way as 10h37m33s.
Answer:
10h05m48s
